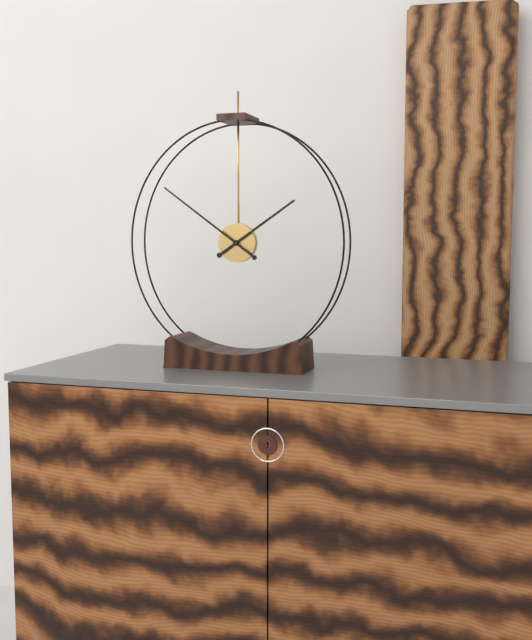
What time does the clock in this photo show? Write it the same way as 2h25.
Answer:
1h51
